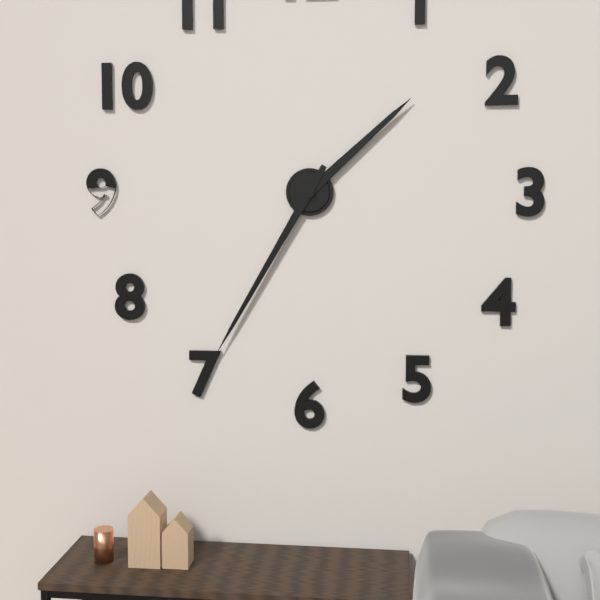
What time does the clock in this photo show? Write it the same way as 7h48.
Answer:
1h35
